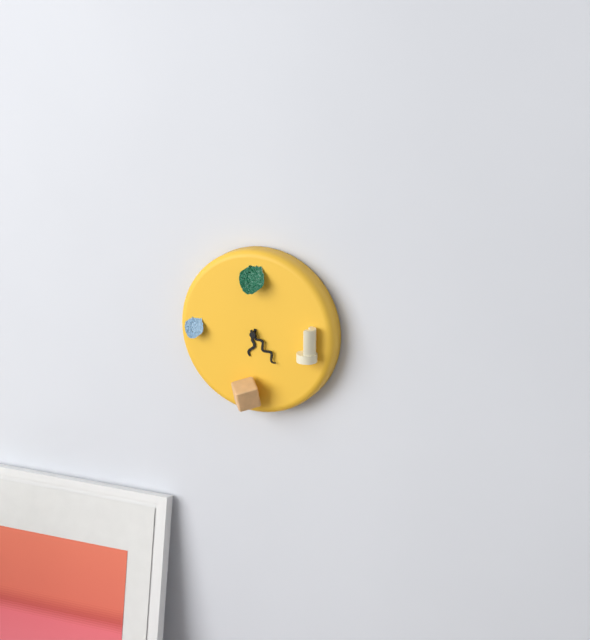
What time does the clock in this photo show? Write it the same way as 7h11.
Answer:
6h23
